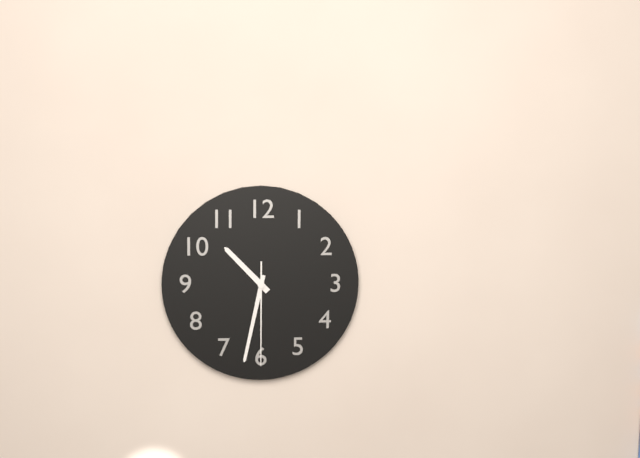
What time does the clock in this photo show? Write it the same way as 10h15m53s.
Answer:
10h32m30s
